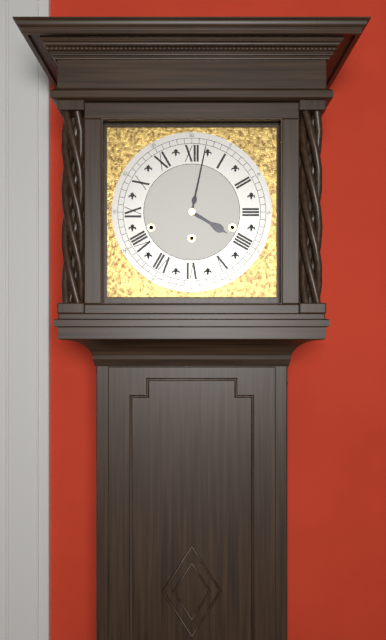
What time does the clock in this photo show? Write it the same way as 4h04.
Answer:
4h02
